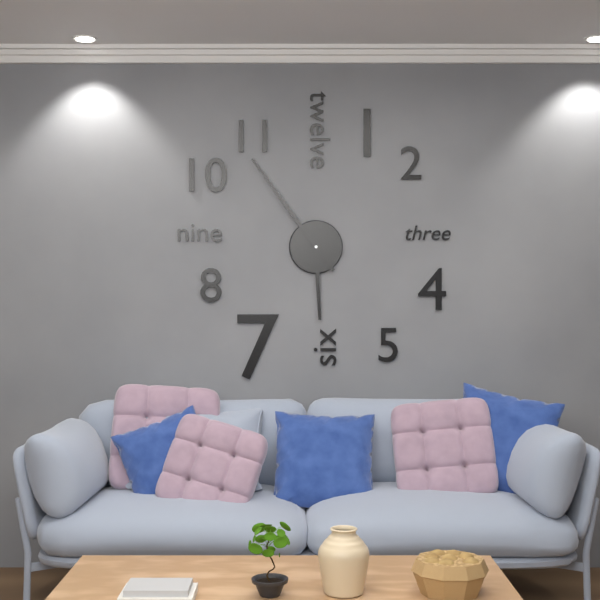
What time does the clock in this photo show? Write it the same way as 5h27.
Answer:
5h54
